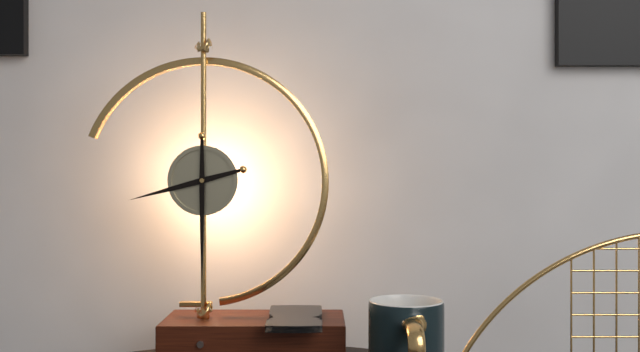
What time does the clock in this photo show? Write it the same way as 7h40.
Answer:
8h30
